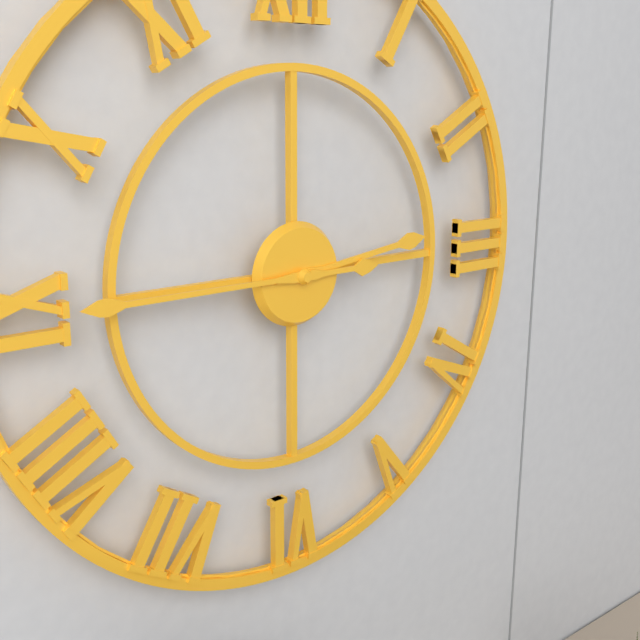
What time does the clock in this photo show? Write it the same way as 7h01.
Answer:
2h45
